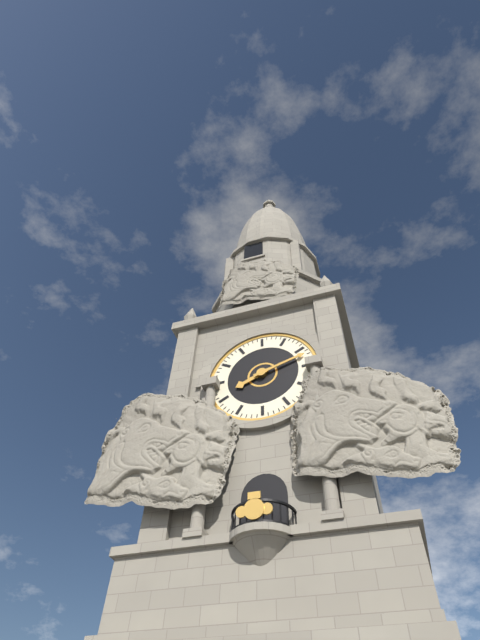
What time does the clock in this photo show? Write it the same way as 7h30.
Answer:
8h12
